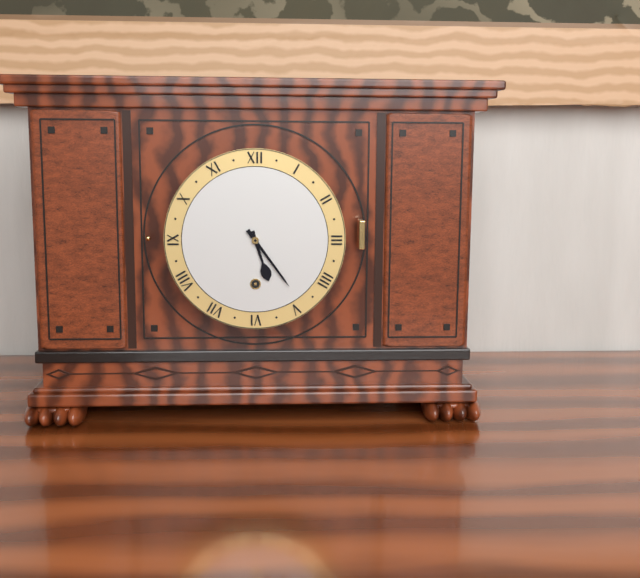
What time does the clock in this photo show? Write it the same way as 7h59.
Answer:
5h24
